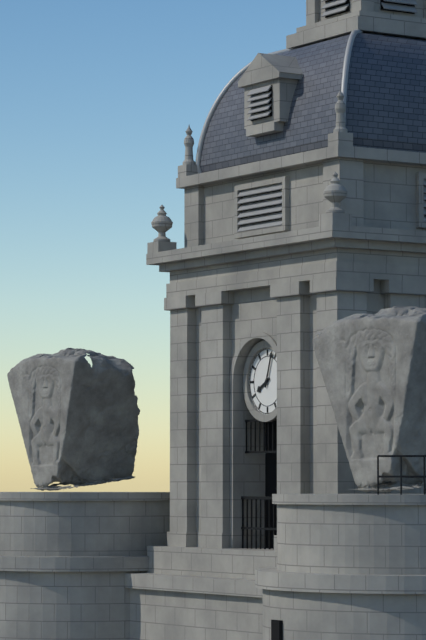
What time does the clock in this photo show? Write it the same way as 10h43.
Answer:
8h03
